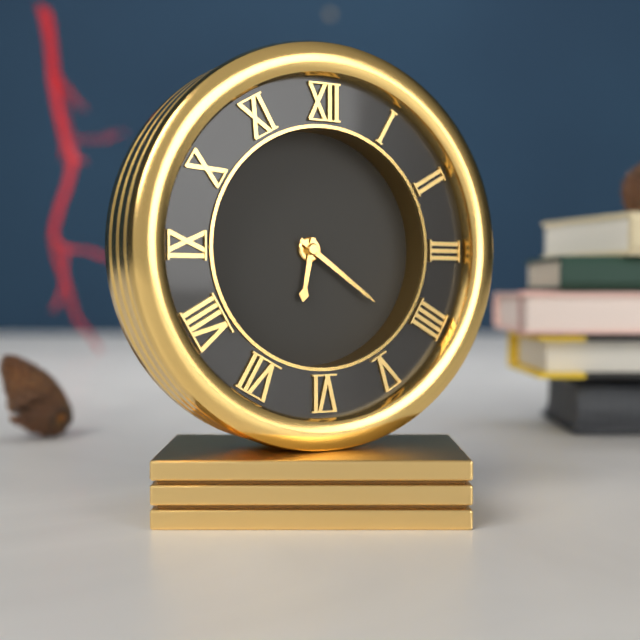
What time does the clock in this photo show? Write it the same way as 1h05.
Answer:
6h21
